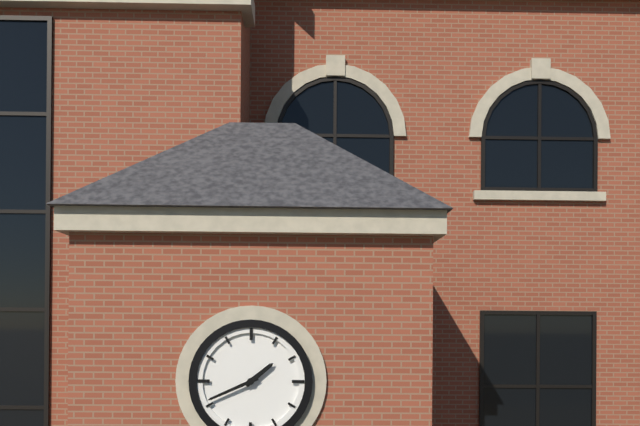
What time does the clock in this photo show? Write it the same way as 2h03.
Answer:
1h41
